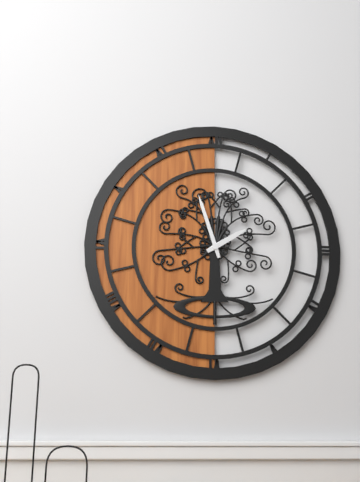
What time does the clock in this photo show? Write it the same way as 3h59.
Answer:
1h57
